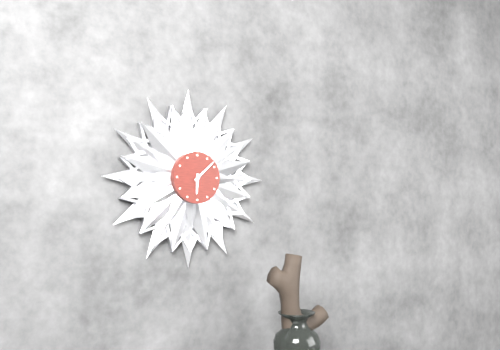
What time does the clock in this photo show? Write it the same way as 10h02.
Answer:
6h08
